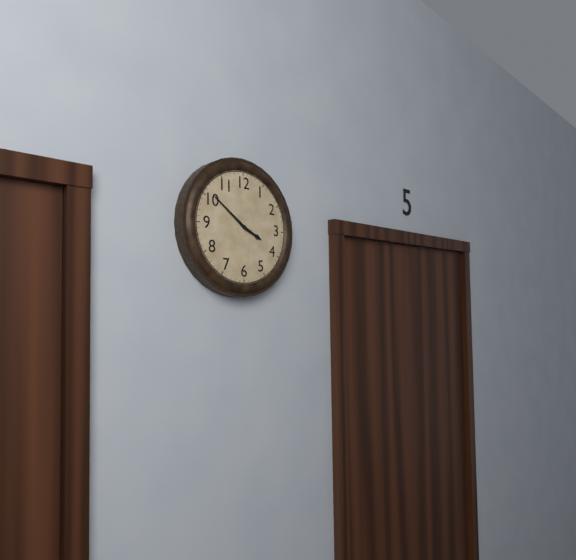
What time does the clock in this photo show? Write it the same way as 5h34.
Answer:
3h51
